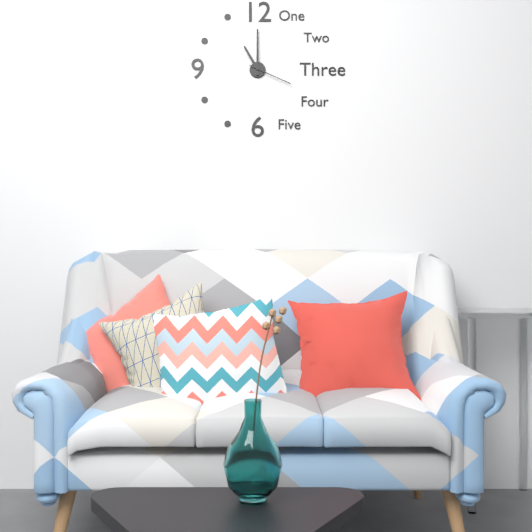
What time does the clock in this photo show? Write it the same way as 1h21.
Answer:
11h00
